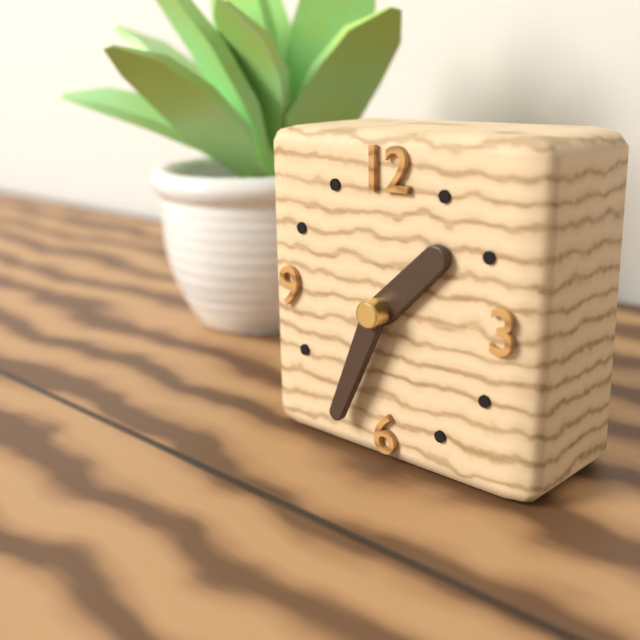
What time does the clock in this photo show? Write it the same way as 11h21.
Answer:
1h34
